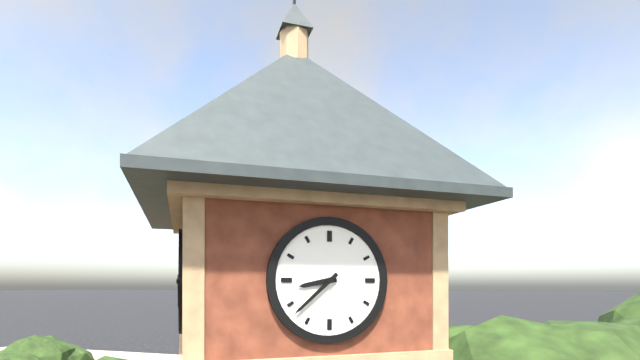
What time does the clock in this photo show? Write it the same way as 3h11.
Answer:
8h38
